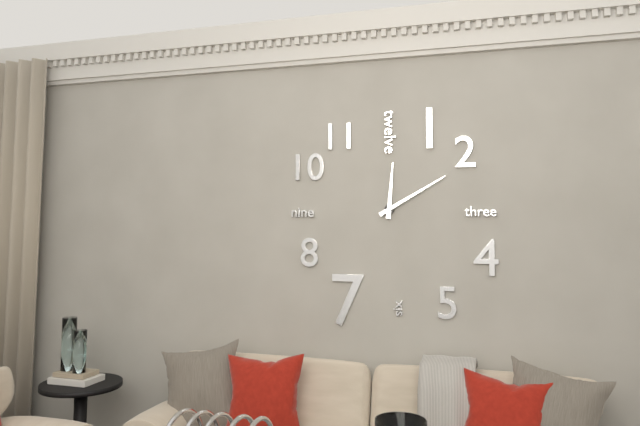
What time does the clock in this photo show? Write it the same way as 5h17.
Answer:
12h10
